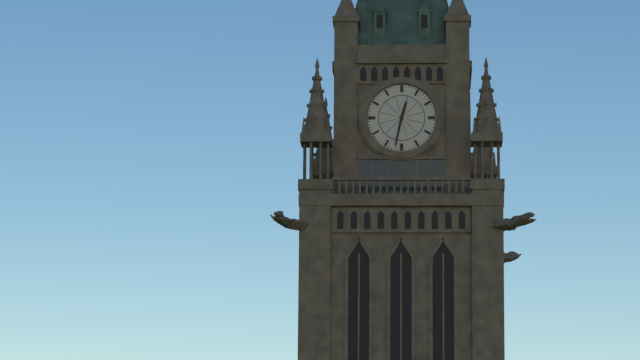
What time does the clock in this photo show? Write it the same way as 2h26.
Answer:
12h32
